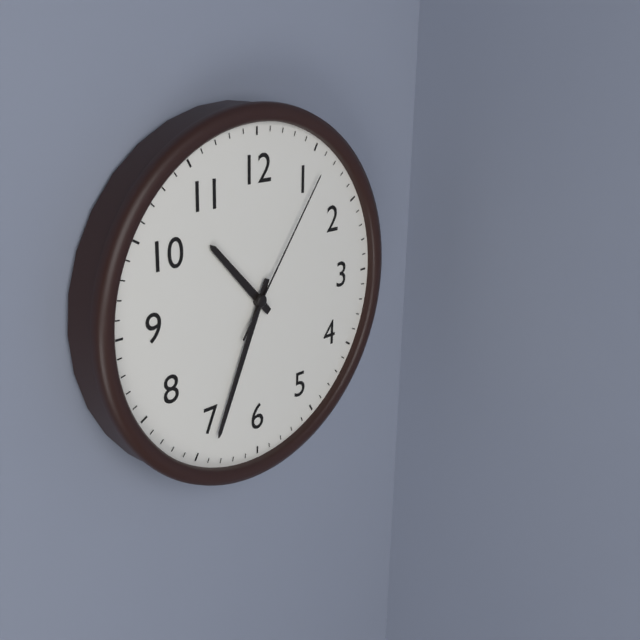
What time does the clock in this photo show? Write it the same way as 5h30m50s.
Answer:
10h34m06s
